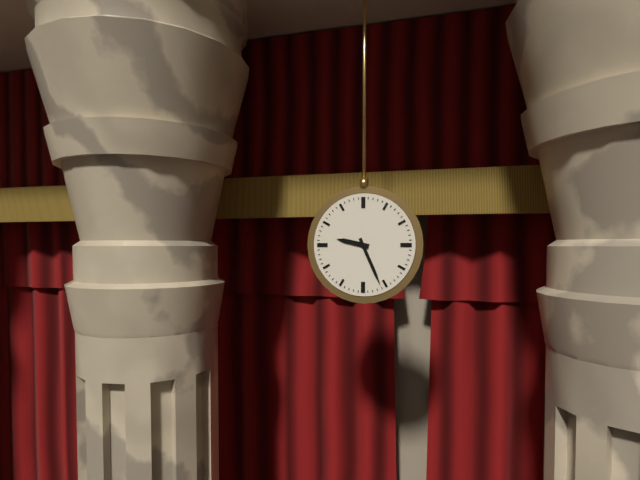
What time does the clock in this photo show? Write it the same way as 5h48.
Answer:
9h26
